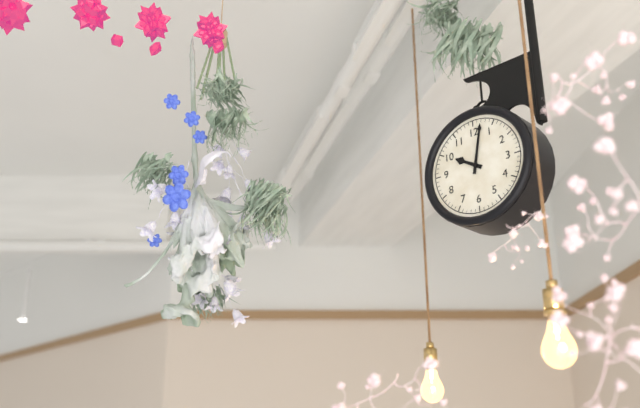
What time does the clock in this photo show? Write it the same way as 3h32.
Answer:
10h02
